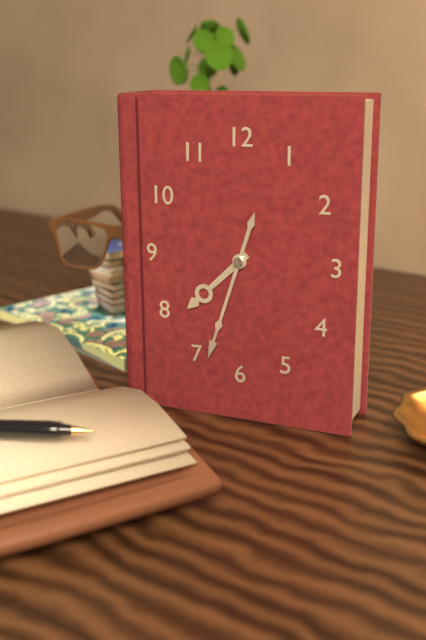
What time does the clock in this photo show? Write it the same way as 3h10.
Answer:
7h33
